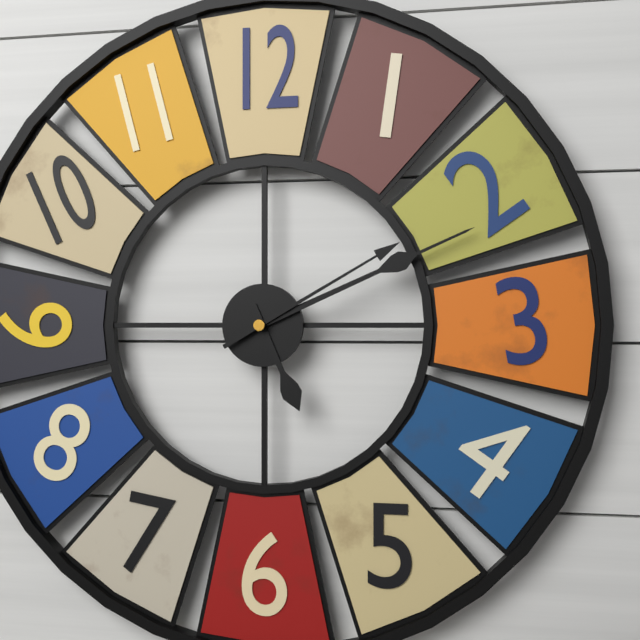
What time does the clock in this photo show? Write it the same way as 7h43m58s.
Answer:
5h11m10s
